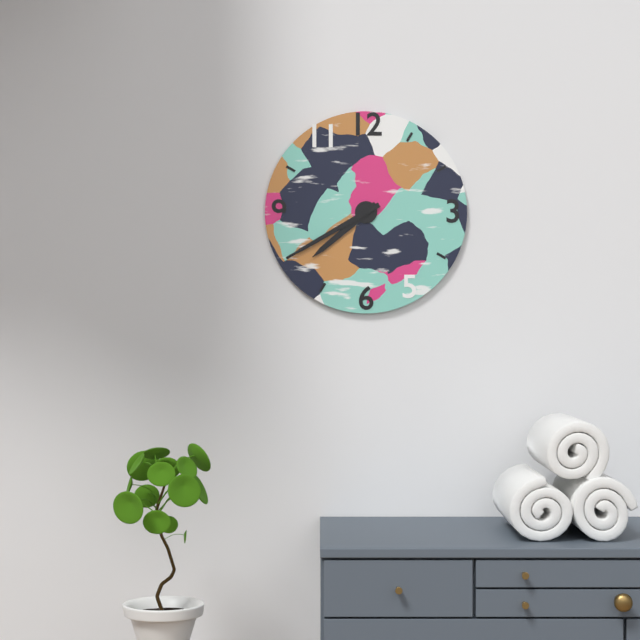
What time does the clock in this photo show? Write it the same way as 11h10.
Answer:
7h40
